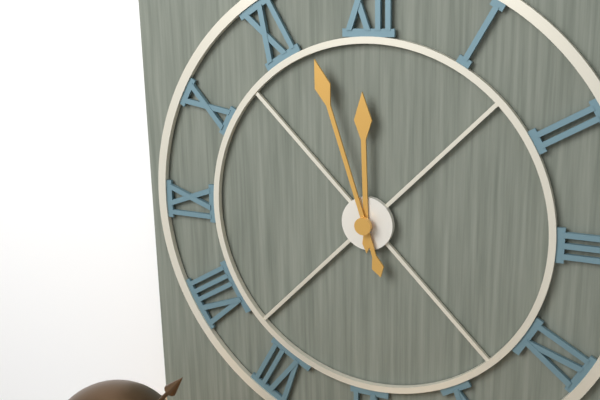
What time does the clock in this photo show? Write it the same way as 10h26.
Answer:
11h57
